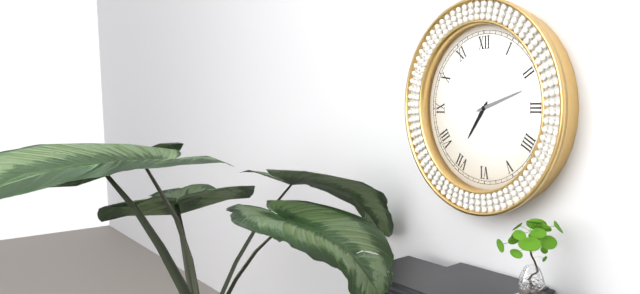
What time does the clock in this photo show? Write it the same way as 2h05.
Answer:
7h12
